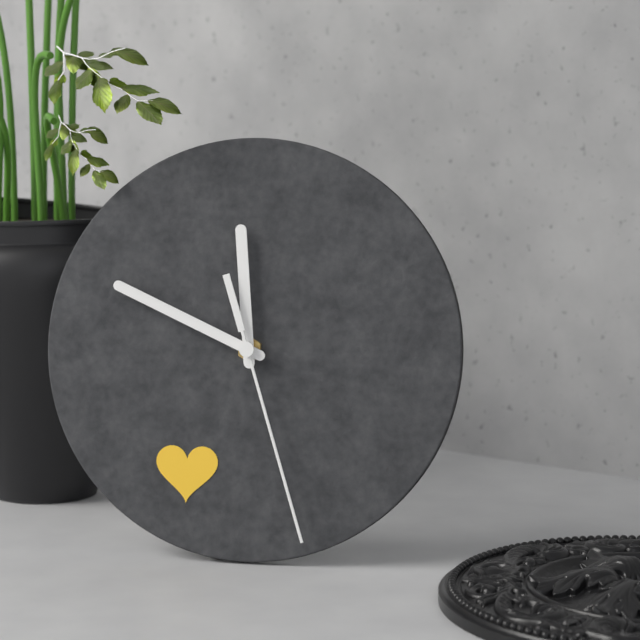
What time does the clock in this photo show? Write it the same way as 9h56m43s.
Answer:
11h49m27s
